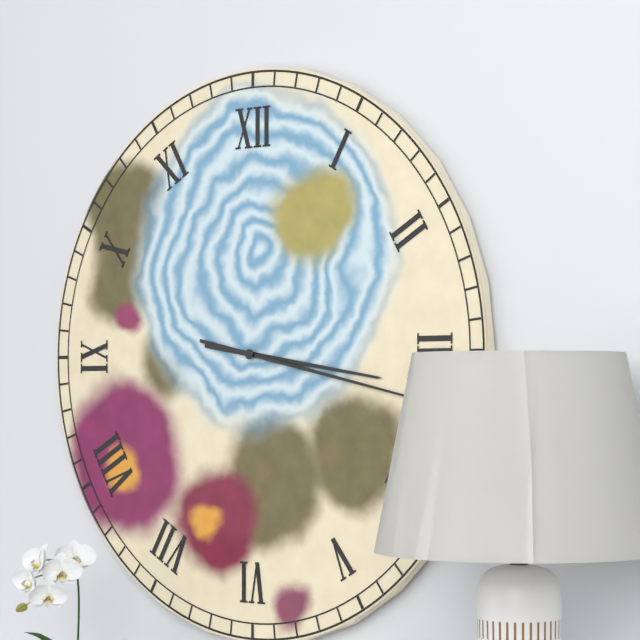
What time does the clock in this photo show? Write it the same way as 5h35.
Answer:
3h17
